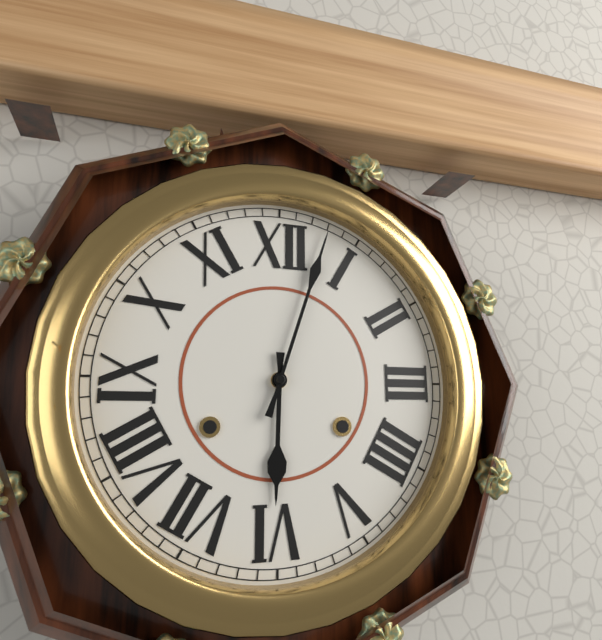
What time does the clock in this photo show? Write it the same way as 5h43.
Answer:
6h03
